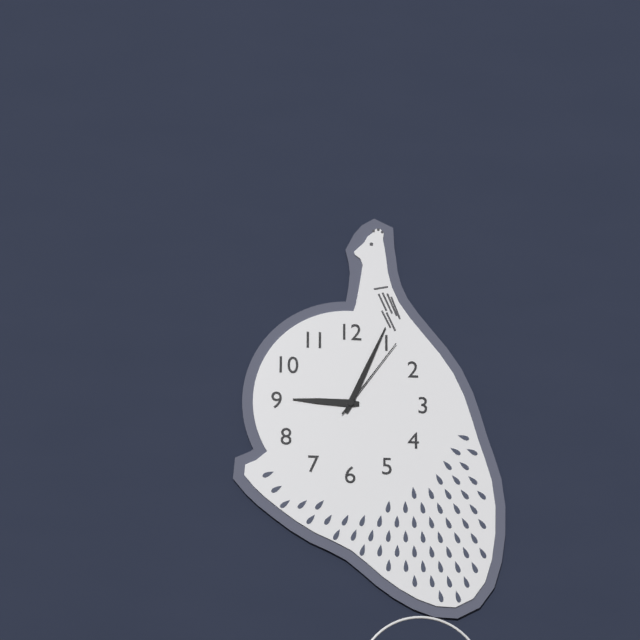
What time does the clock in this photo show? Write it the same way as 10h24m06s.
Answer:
9h04m06s
